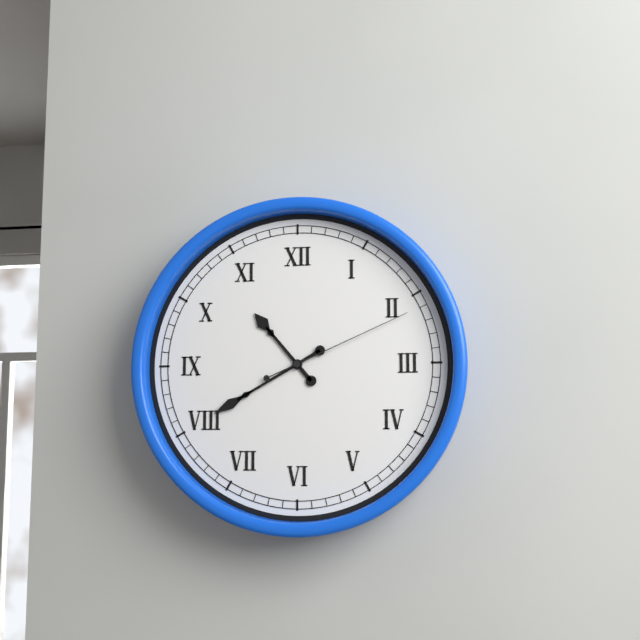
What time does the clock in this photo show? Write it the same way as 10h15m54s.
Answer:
10h40m11s
